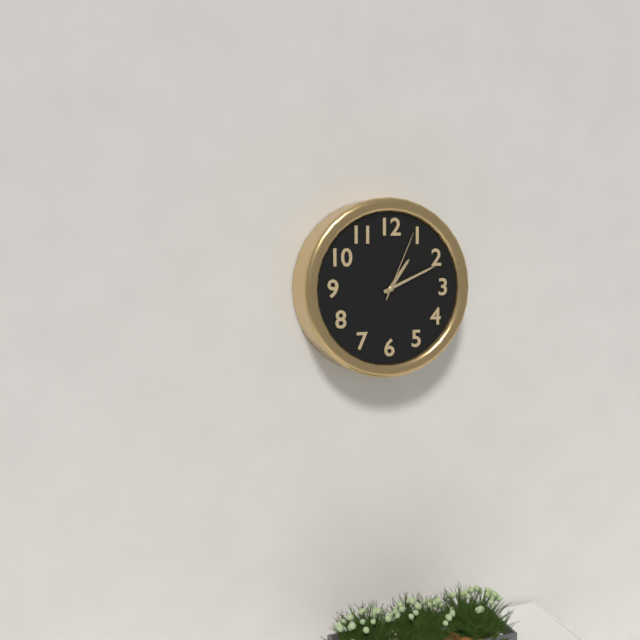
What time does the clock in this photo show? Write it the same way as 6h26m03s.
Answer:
1h11m04s
